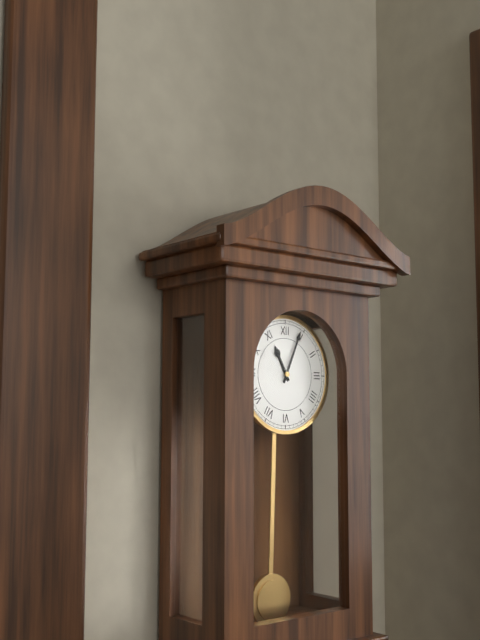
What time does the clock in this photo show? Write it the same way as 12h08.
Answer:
11h04
